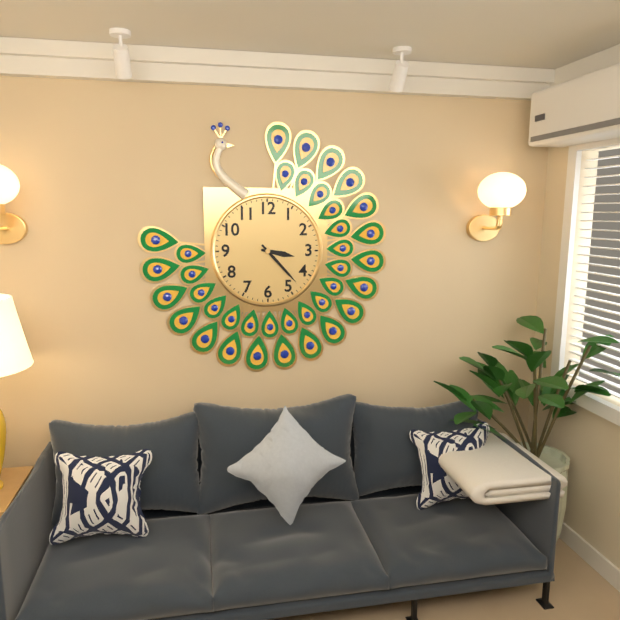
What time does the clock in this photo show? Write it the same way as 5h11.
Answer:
3h23
